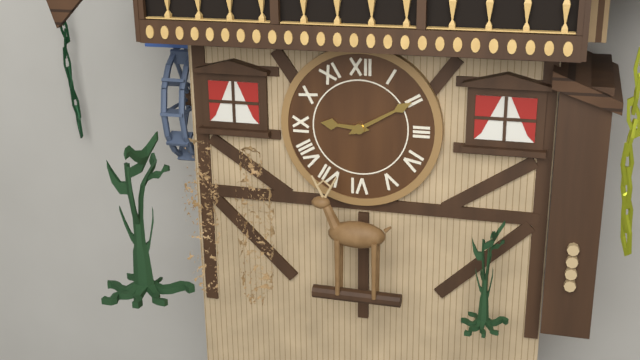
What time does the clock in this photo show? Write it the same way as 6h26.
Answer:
9h10
